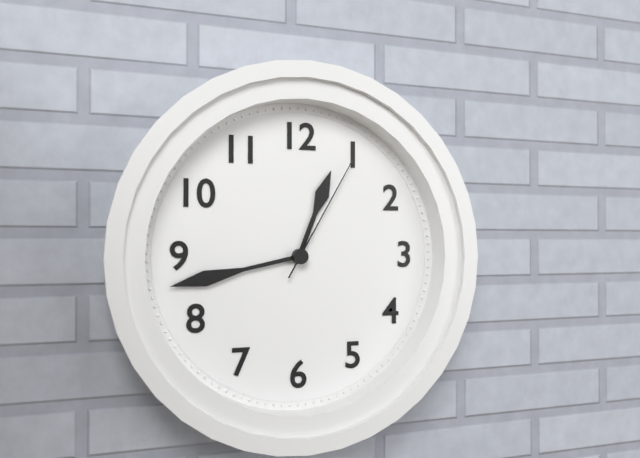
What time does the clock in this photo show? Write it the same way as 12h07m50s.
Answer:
12h43m05s
